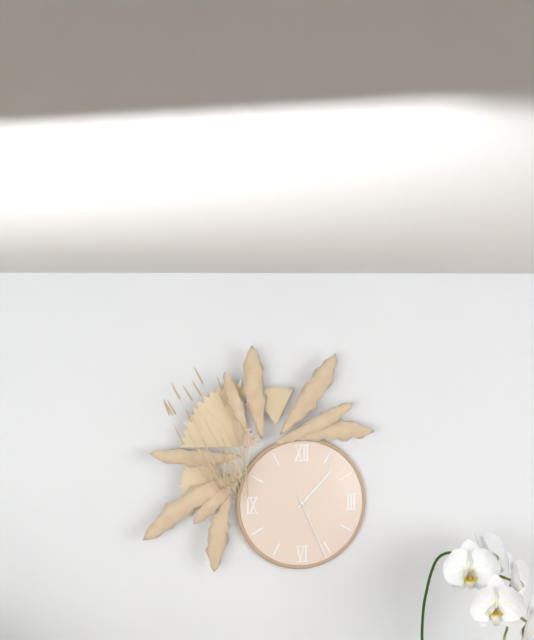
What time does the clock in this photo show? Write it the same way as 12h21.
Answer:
1h26
